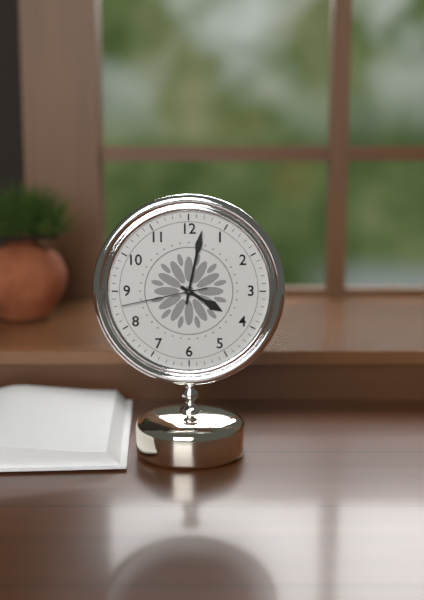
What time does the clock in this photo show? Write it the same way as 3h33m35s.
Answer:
4h02m43s
